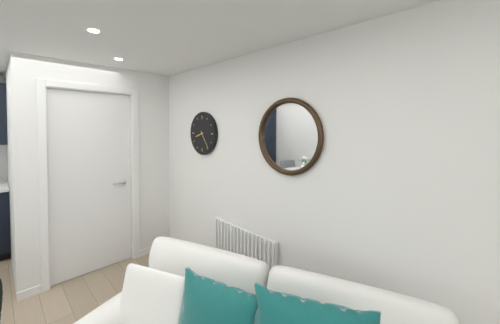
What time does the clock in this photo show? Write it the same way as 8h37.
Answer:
8h24
